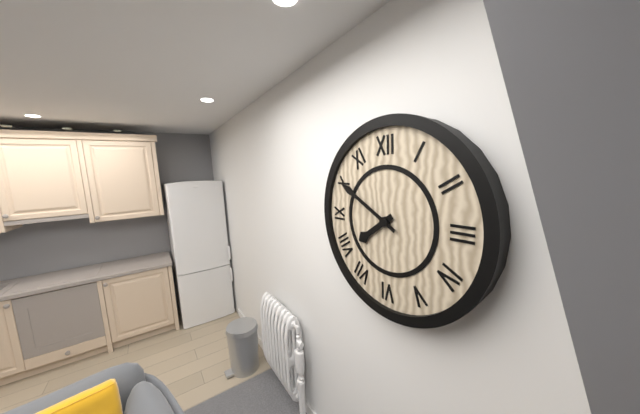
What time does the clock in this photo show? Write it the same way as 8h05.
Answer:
7h50
